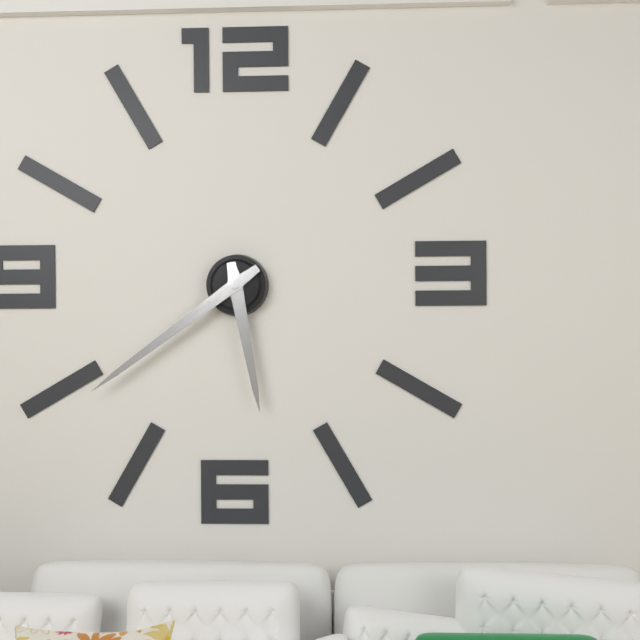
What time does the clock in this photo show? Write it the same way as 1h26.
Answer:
5h39
